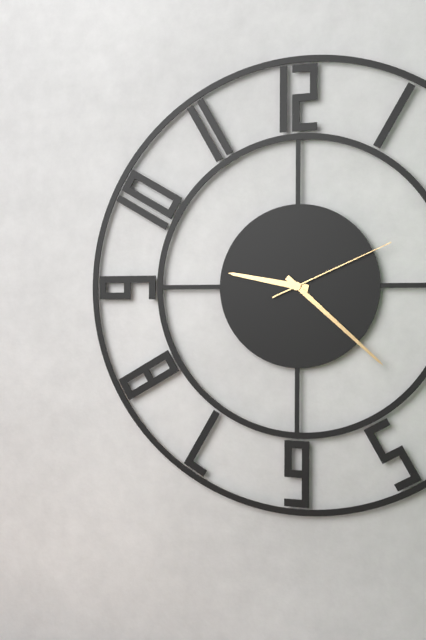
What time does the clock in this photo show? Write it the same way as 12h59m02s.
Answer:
9h22m11s
